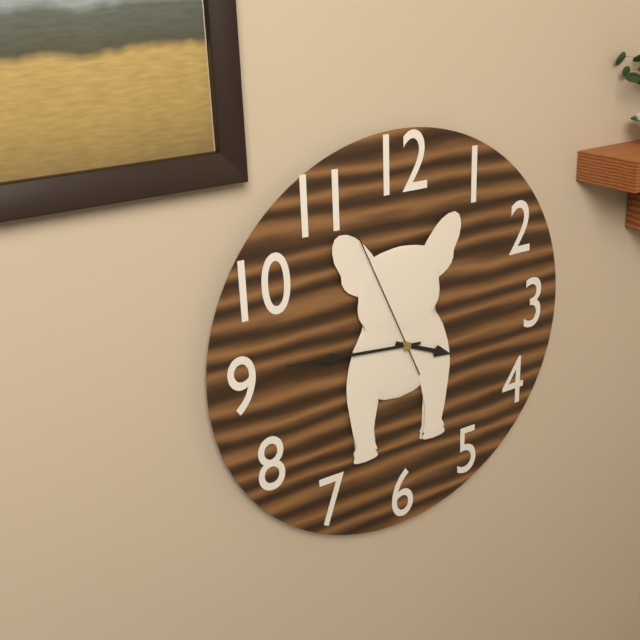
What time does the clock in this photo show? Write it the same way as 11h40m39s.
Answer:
3h46m56s
